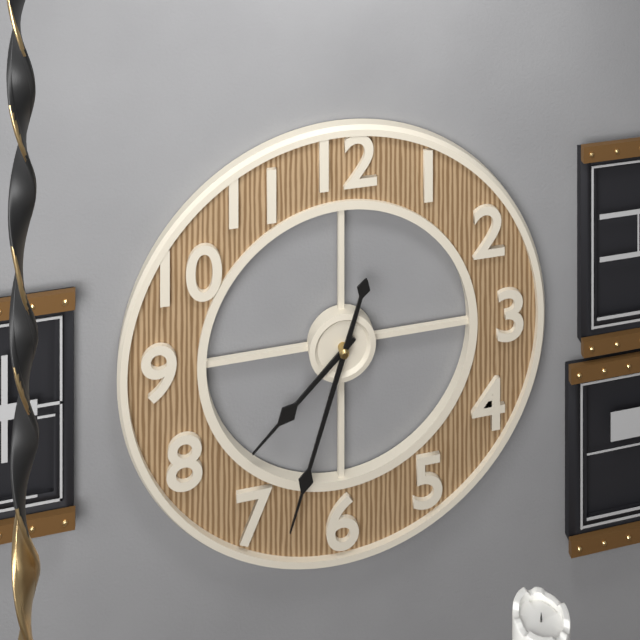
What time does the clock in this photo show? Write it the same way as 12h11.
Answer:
7h33
